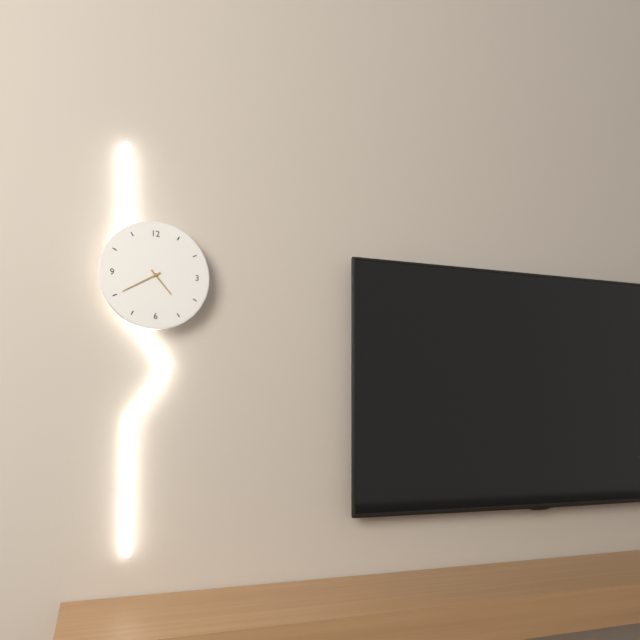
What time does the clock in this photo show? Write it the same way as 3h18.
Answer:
4h40
